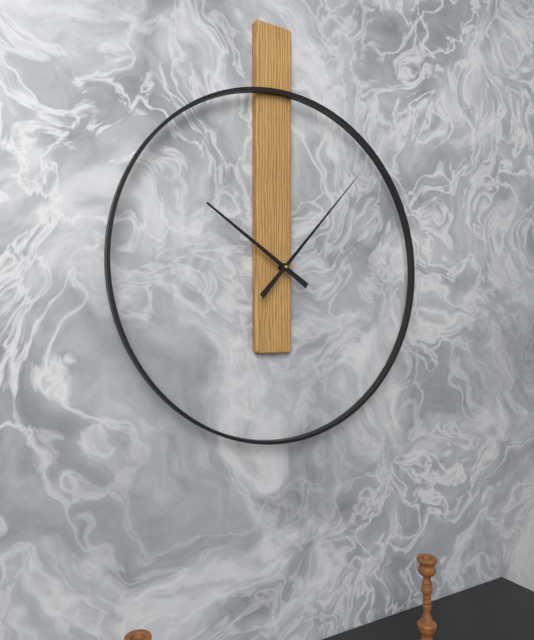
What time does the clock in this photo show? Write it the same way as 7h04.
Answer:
10h07
